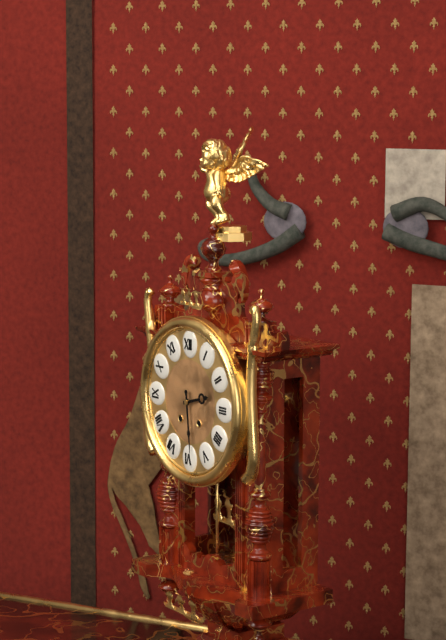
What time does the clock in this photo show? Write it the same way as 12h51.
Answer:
2h29
